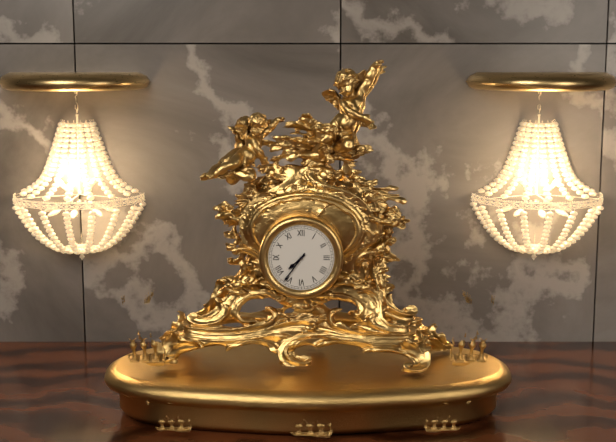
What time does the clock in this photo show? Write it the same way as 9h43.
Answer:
7h36
